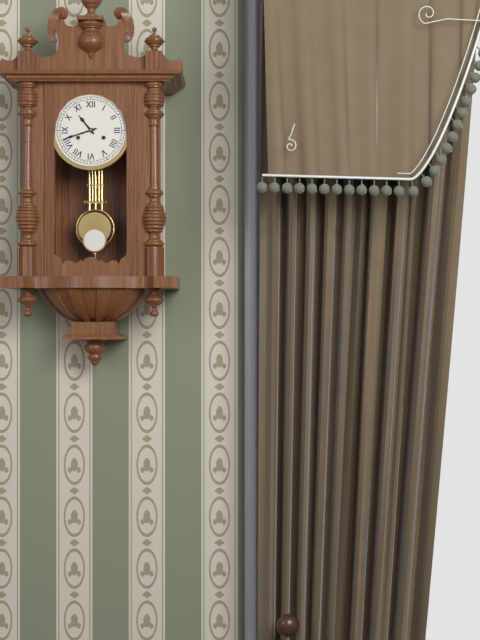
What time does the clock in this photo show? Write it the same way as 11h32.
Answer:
10h42
